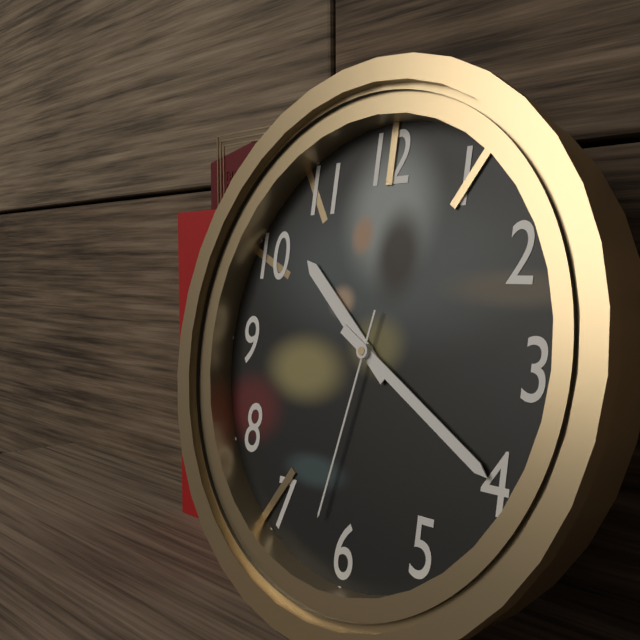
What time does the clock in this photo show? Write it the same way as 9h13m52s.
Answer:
10h20m32s
